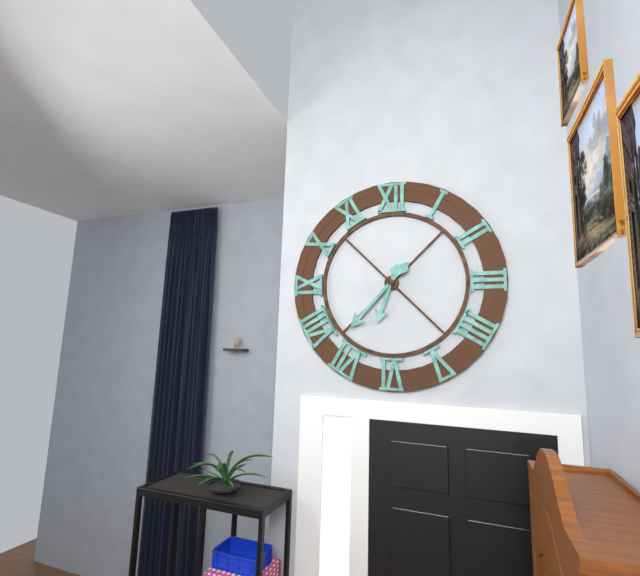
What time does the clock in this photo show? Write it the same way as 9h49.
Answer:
6h37
